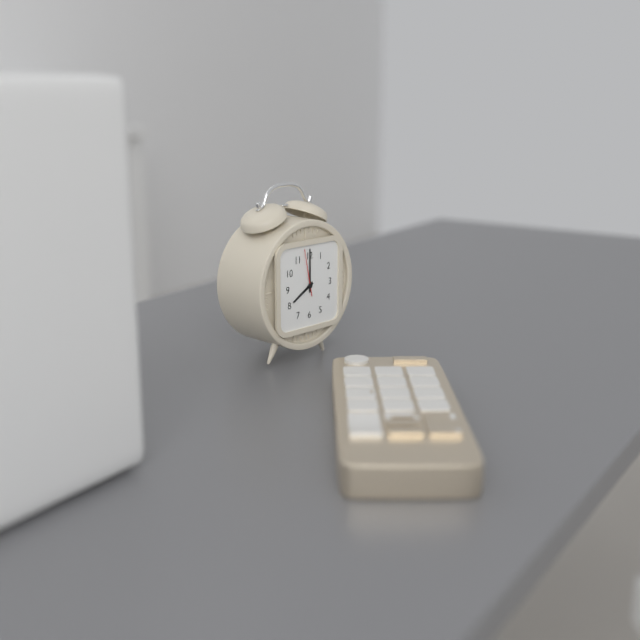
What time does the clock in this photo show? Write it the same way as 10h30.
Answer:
8h00
